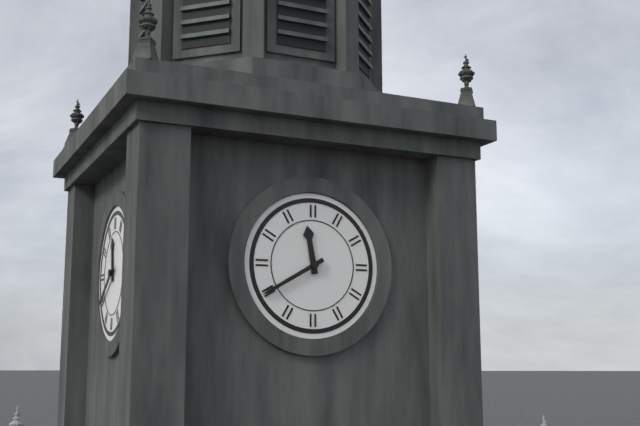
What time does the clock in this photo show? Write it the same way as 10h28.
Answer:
11h40
